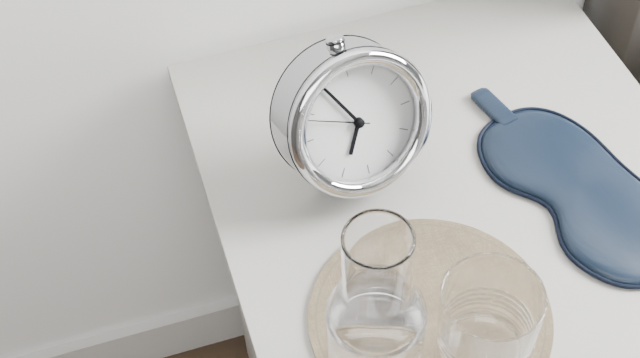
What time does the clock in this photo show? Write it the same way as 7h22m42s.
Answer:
6h55m49s
